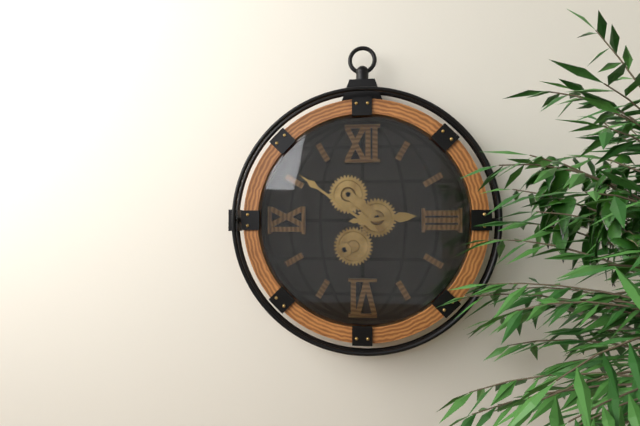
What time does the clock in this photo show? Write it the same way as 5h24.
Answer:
2h51
